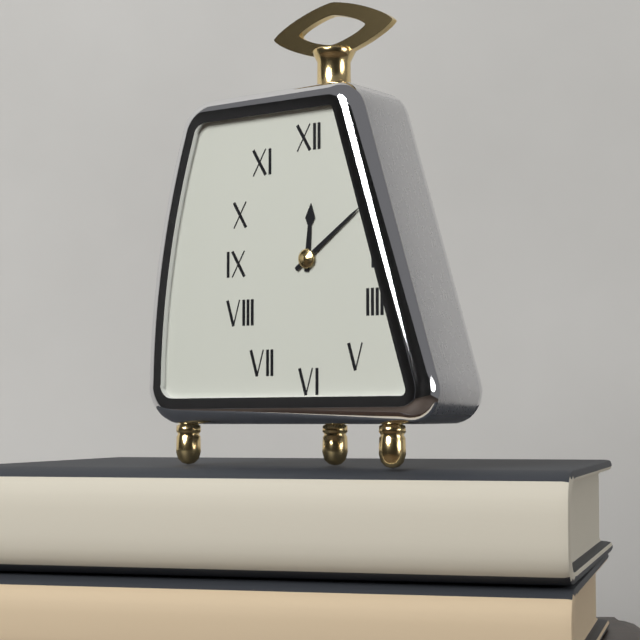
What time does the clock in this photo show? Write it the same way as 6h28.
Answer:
12h09
